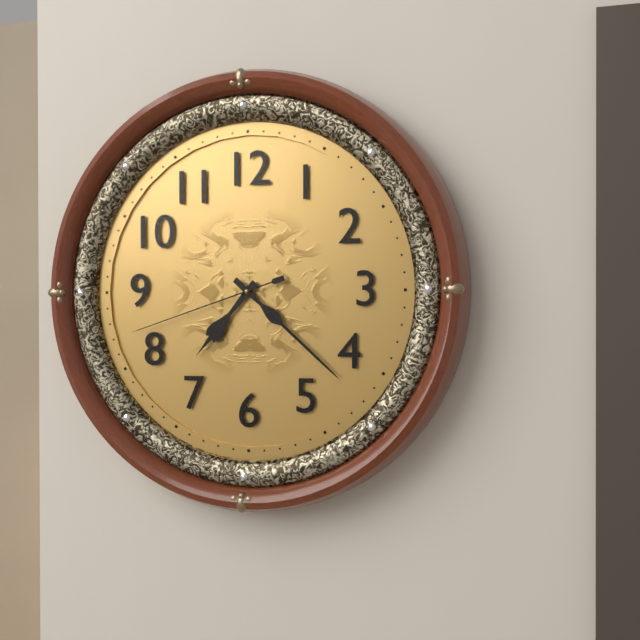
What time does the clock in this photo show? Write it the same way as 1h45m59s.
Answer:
7h22m42s
